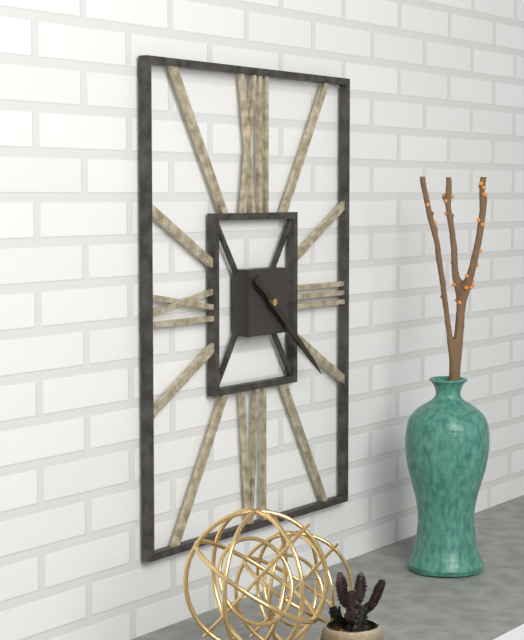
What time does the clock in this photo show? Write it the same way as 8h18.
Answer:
4h22
